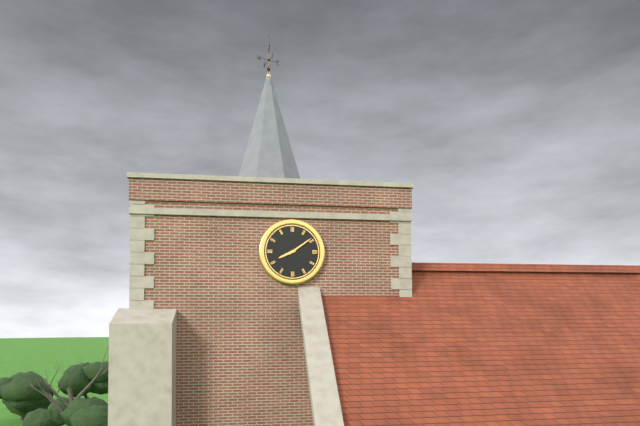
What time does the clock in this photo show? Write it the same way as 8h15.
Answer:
8h09
